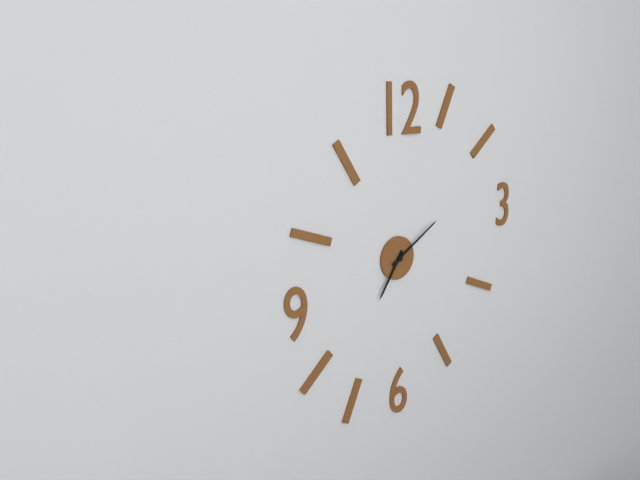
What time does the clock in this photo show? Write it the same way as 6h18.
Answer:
7h10
